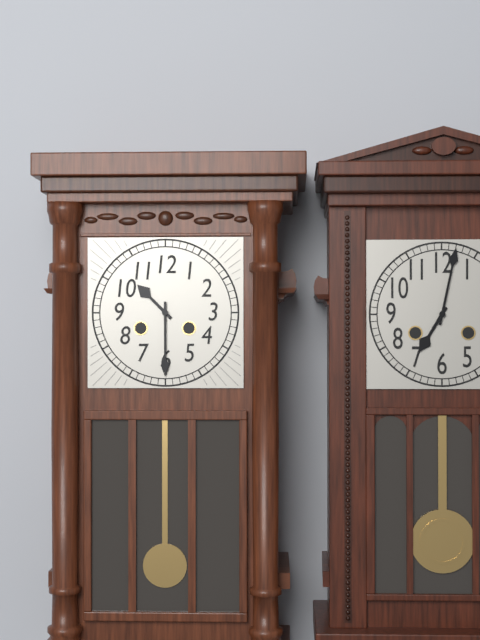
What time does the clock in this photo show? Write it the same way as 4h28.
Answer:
10h30
